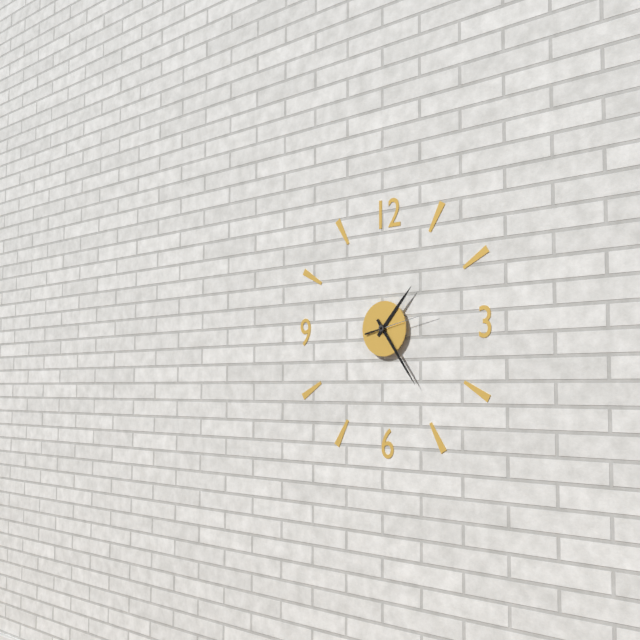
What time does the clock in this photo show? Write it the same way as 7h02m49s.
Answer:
1h24m13s
